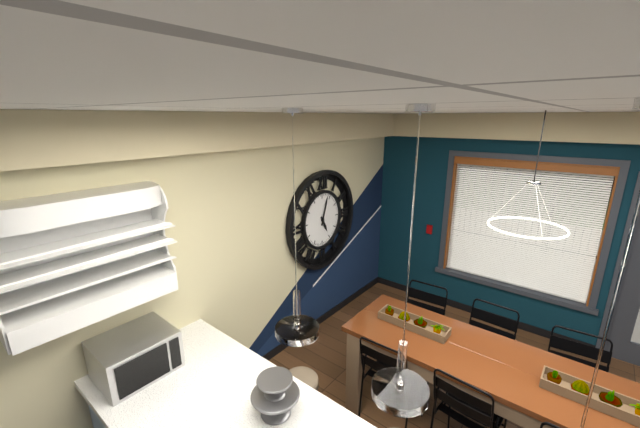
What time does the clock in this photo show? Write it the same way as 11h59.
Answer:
5h03
